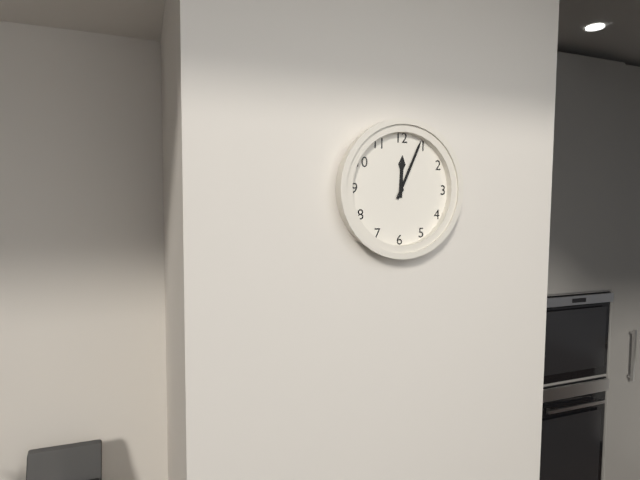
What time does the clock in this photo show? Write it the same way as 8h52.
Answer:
12h04
